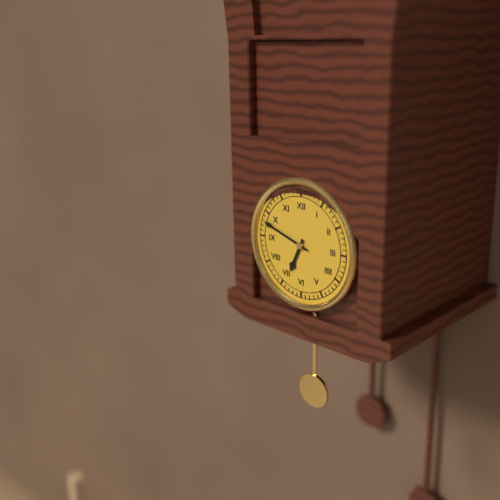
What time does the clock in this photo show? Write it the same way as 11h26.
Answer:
6h48
